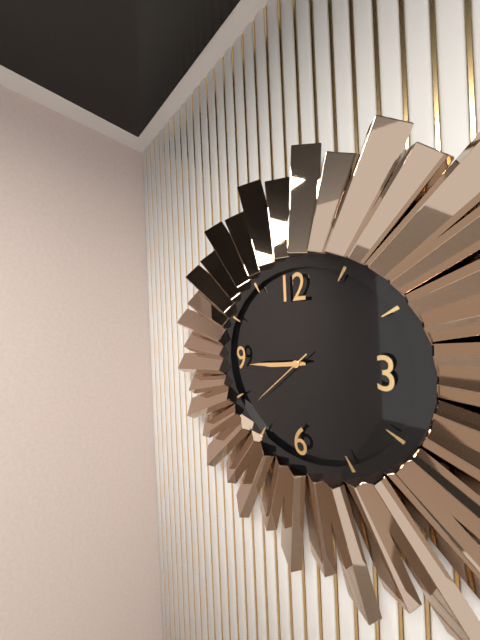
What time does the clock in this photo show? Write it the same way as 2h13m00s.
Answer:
8h44m38s
